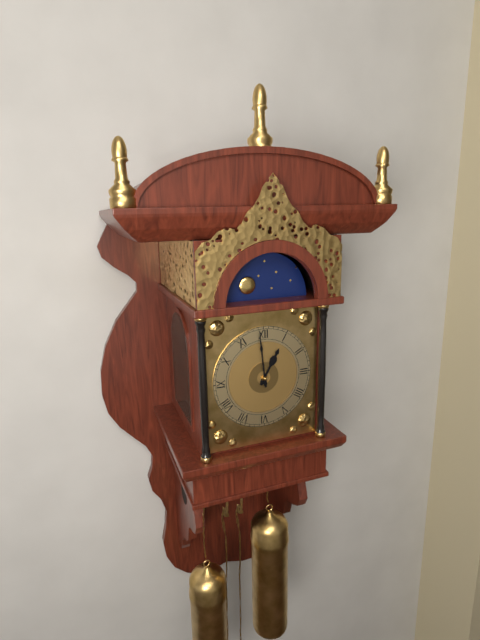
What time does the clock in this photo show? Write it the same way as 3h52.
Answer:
12h59
